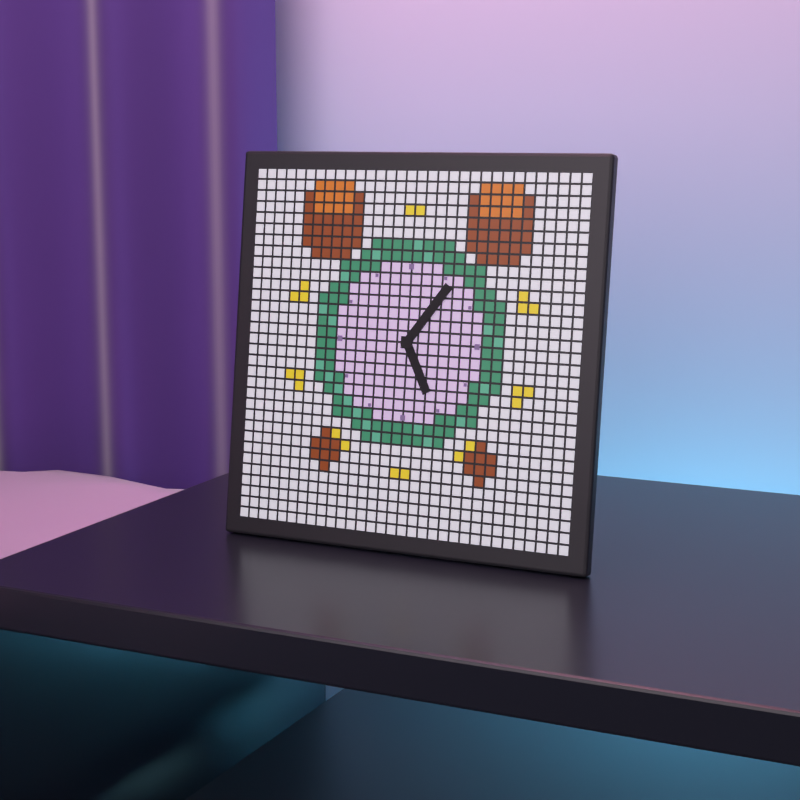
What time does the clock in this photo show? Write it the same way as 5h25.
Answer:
5h06
